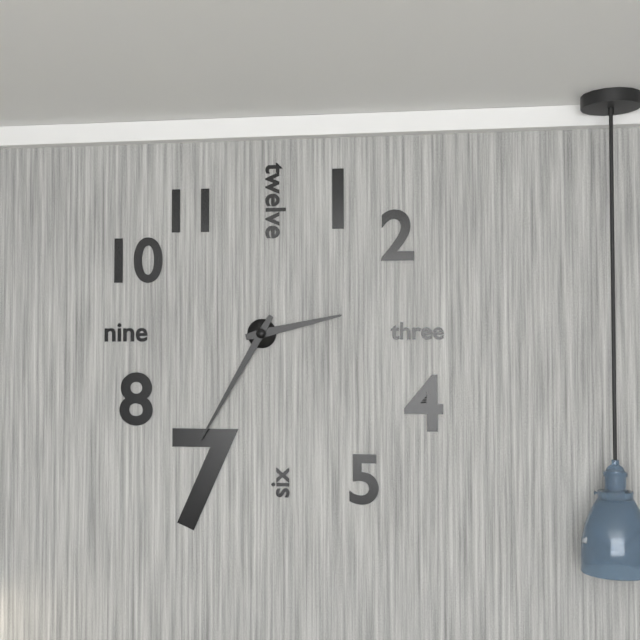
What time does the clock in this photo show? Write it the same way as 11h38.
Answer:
2h35
